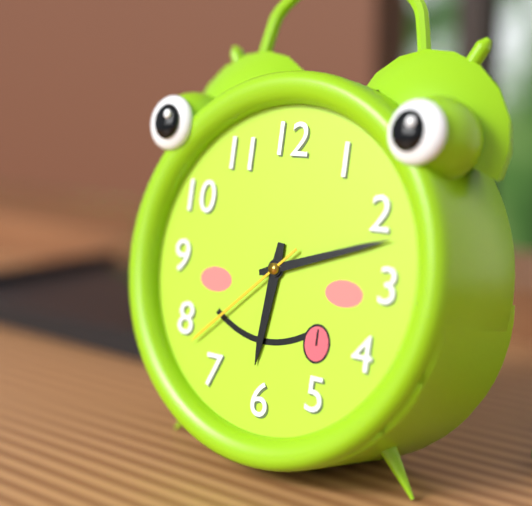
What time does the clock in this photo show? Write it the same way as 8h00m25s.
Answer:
6h12m38s
